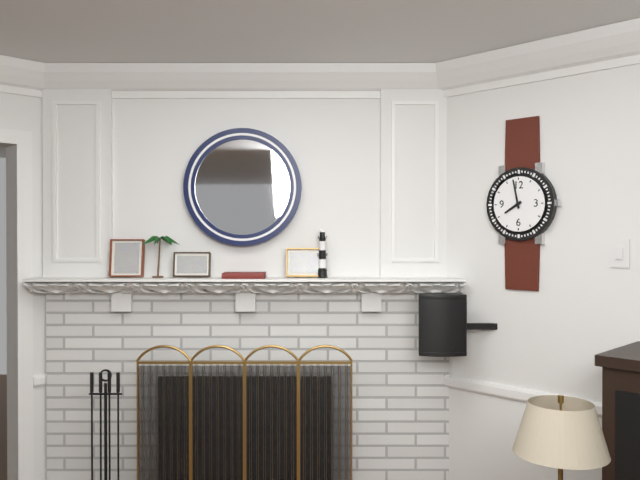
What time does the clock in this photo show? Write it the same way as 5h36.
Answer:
7h58
